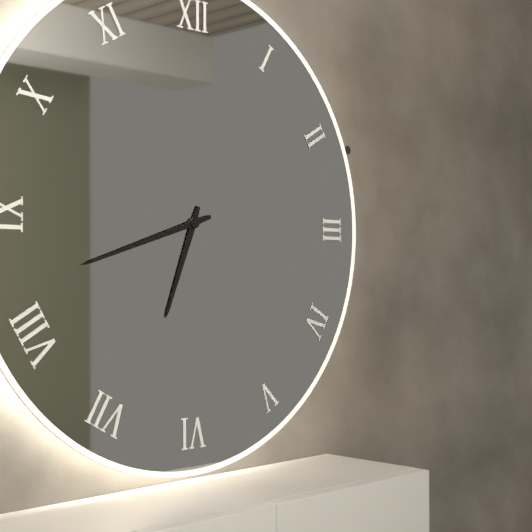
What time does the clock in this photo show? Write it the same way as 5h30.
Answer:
6h42
